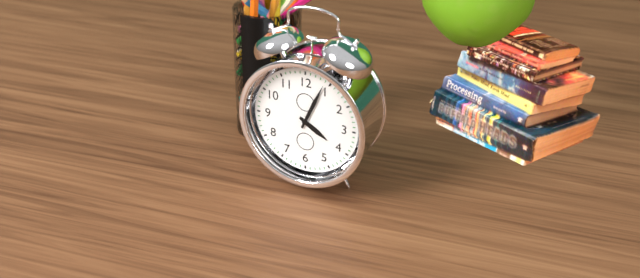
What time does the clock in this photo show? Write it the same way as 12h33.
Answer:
4h04
